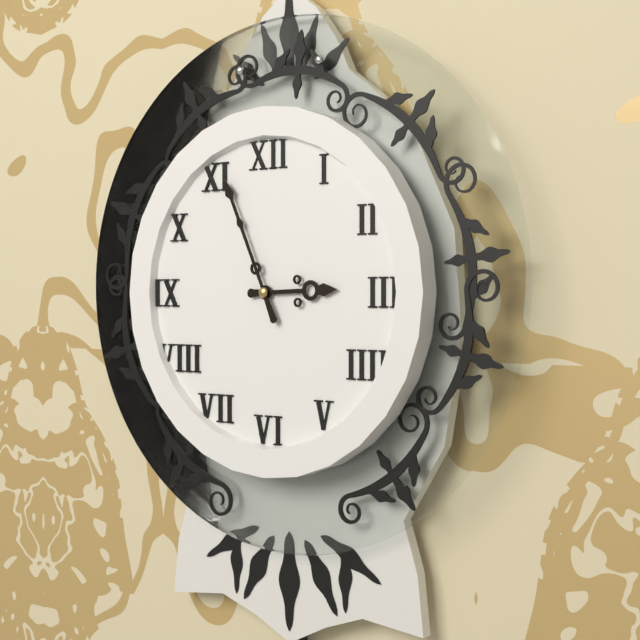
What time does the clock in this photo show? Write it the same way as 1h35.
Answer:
2h56
